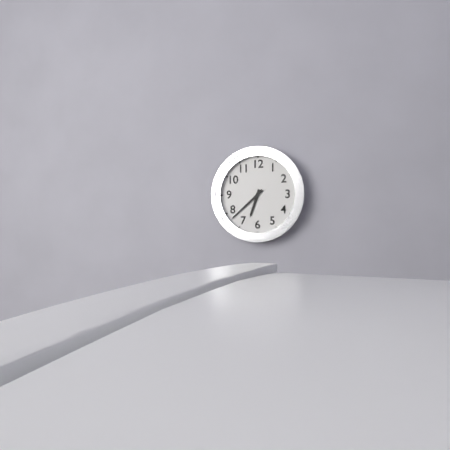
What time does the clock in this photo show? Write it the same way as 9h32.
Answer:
6h38
